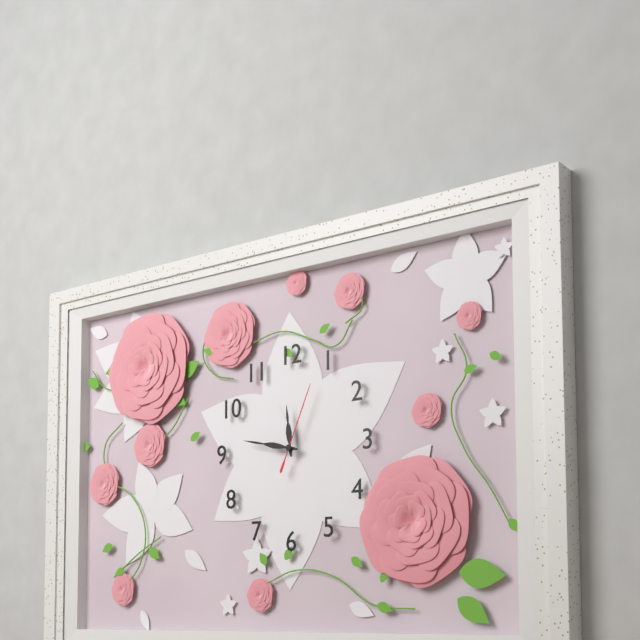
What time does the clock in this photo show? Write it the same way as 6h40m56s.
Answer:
11h47m04s
